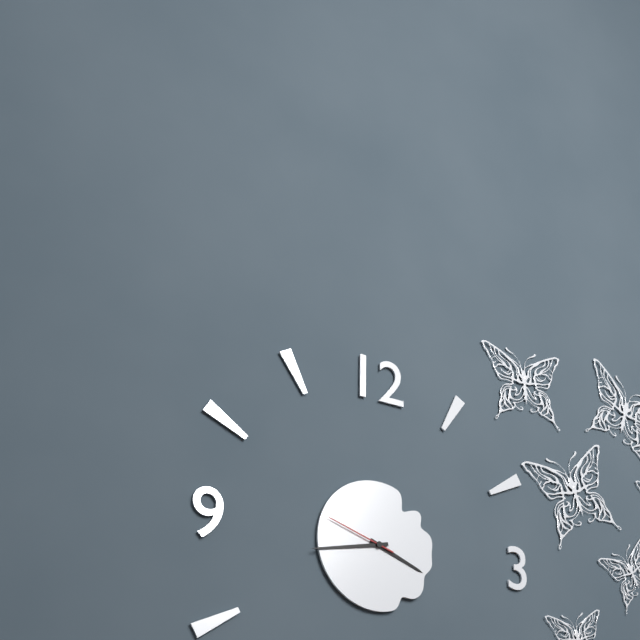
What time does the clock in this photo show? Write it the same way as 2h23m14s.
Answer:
3h43m48s
